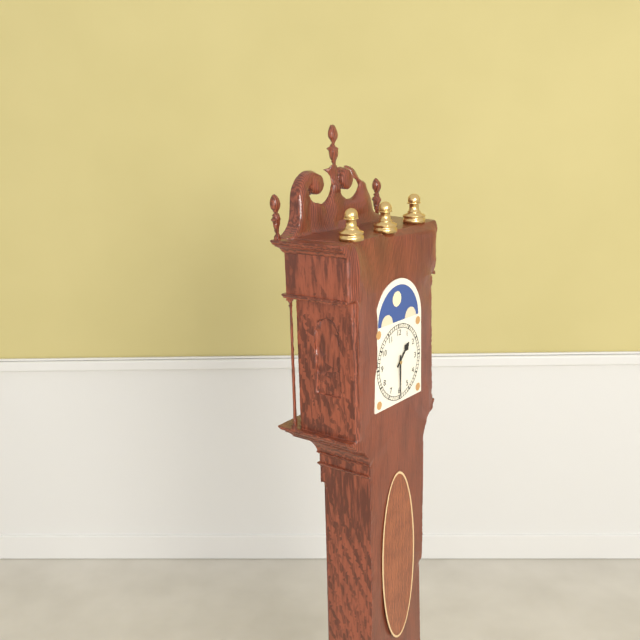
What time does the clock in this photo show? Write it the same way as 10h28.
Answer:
1h30
